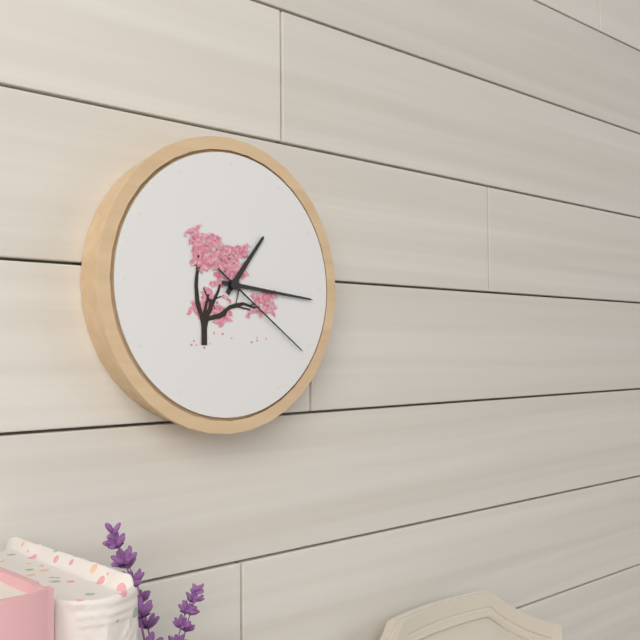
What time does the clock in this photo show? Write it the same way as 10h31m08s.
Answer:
1h16m21s
